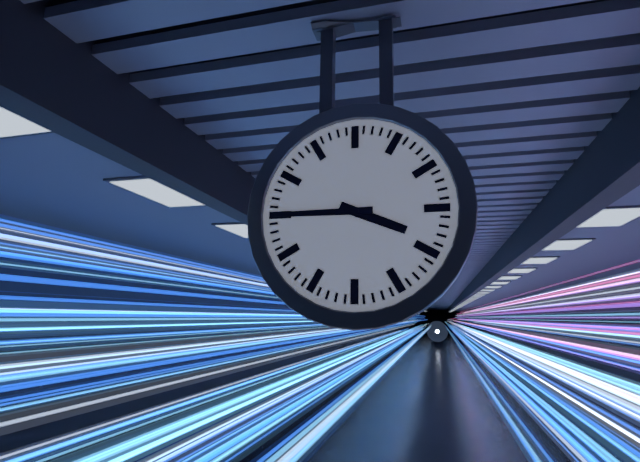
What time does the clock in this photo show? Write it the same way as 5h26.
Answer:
3h45
